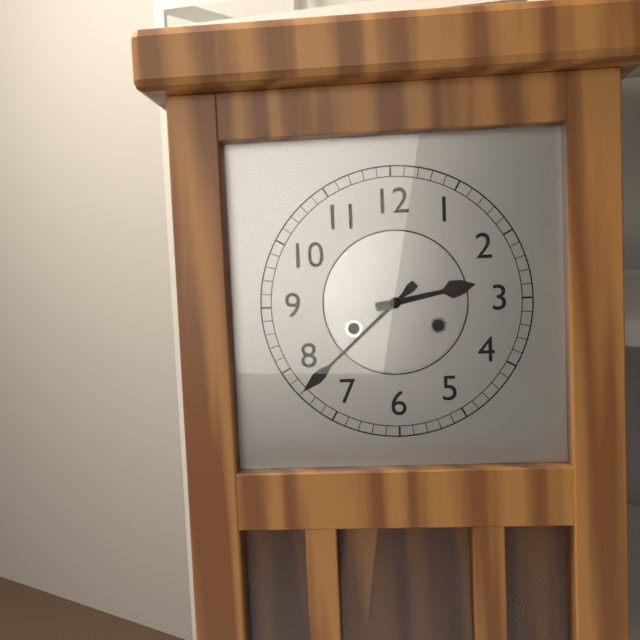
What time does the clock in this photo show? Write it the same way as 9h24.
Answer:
2h38
